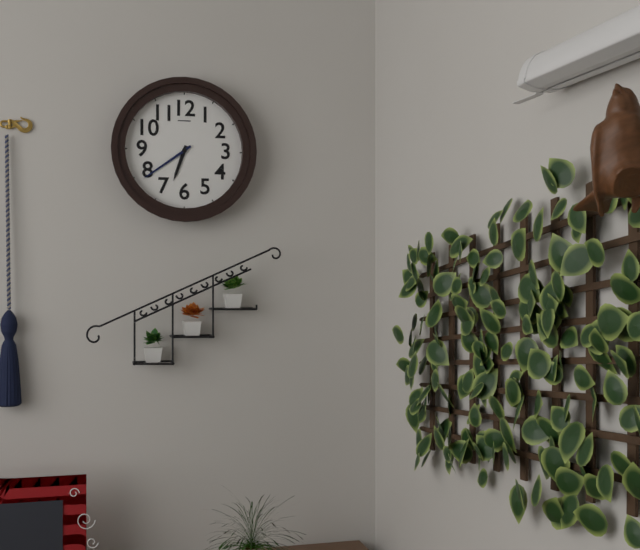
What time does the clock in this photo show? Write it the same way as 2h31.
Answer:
6h39
